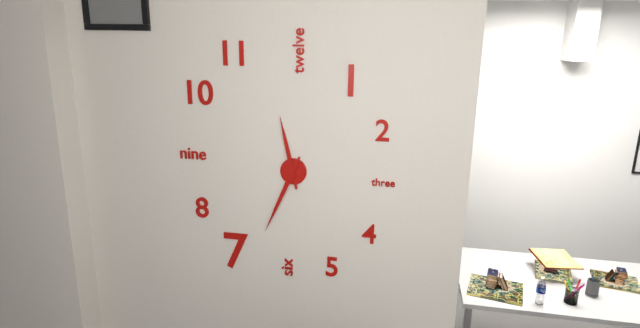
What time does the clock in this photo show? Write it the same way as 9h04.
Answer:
11h34
